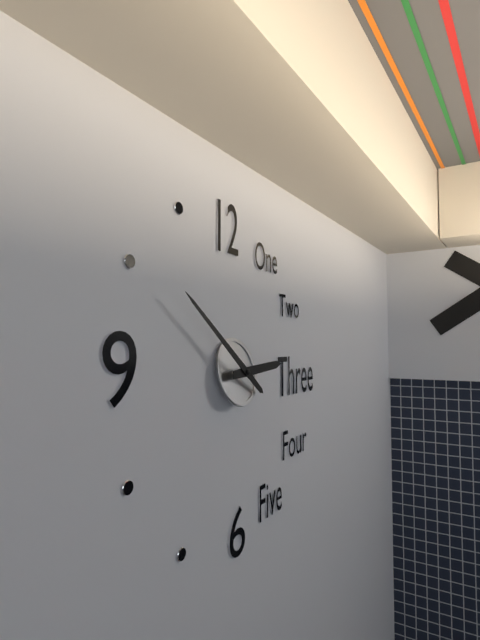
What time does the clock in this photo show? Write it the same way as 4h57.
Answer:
2h51
